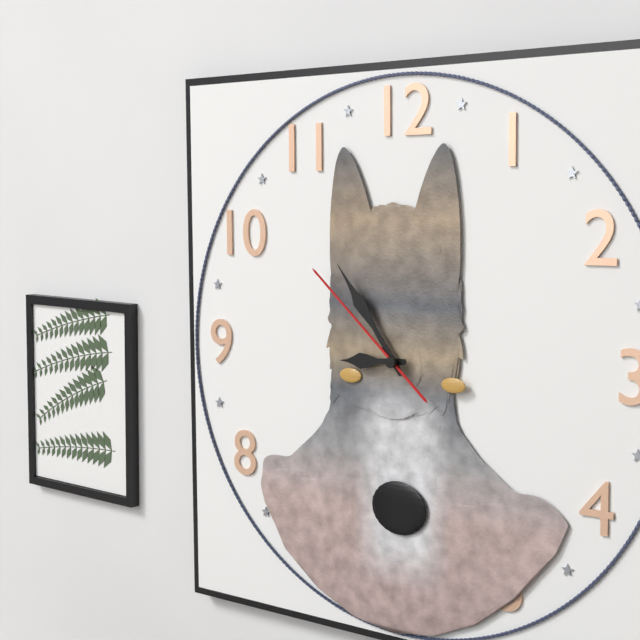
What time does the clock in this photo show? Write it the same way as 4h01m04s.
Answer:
8h54m52s
